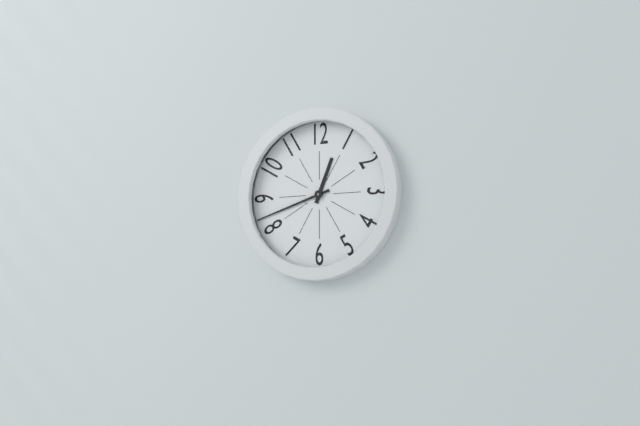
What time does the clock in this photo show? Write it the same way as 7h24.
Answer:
12h42
